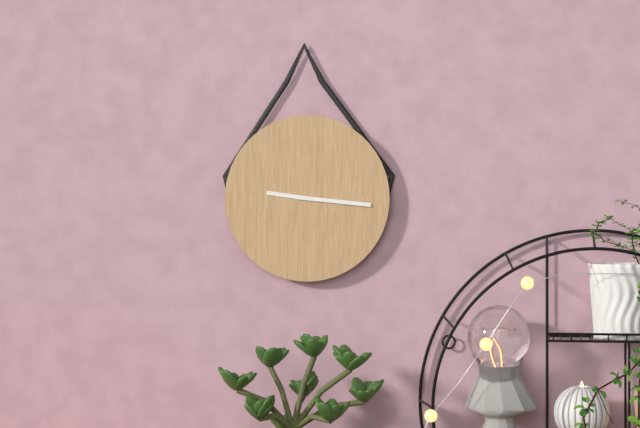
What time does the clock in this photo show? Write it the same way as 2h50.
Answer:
9h16
